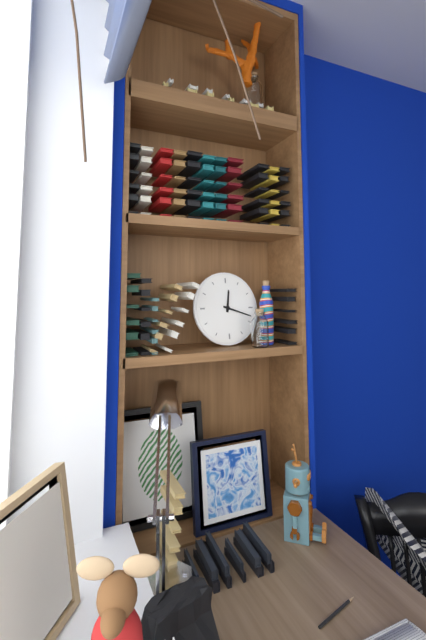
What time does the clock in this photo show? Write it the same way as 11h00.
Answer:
12h18
